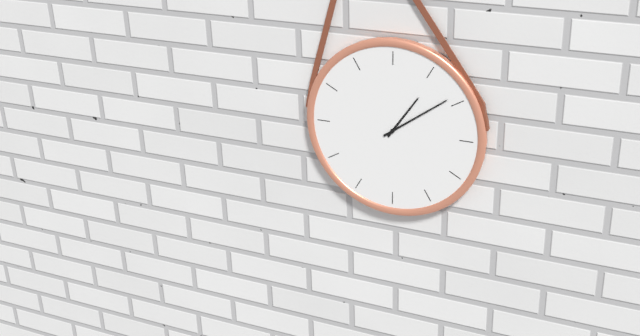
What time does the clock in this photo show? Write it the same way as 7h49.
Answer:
1h09
